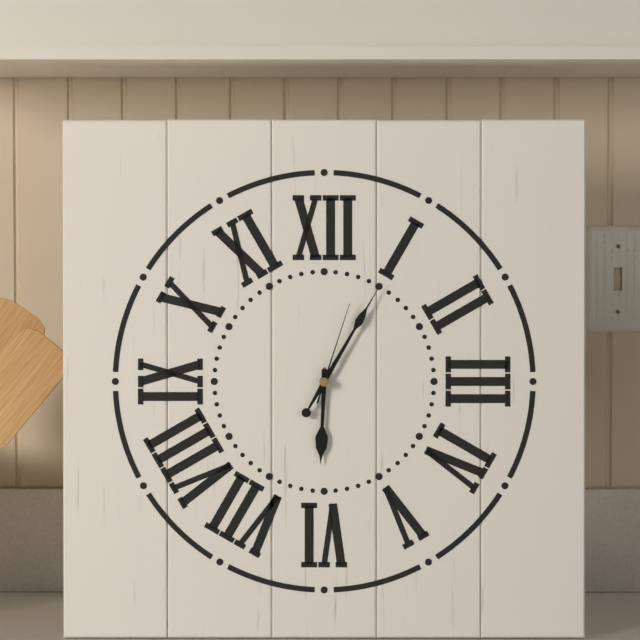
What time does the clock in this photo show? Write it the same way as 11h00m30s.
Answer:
6h05m03s
